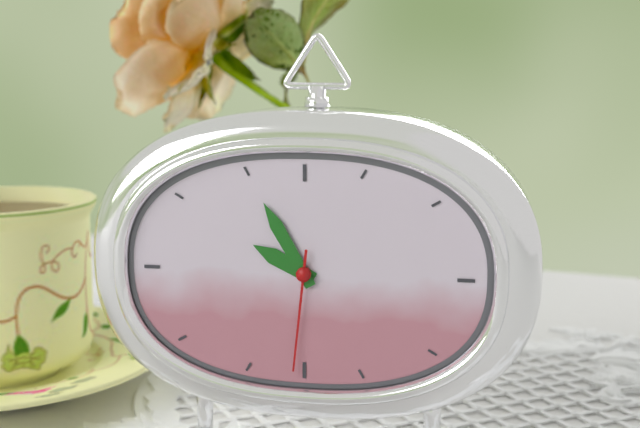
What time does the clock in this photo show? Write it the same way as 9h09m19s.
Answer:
9h55m31s
